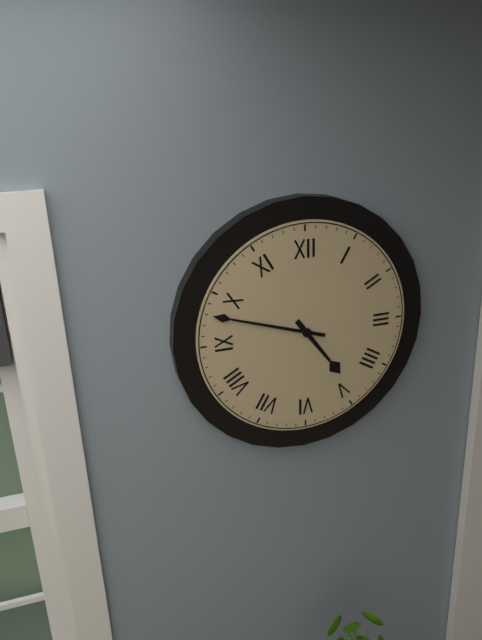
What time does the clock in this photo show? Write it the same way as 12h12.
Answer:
4h48
